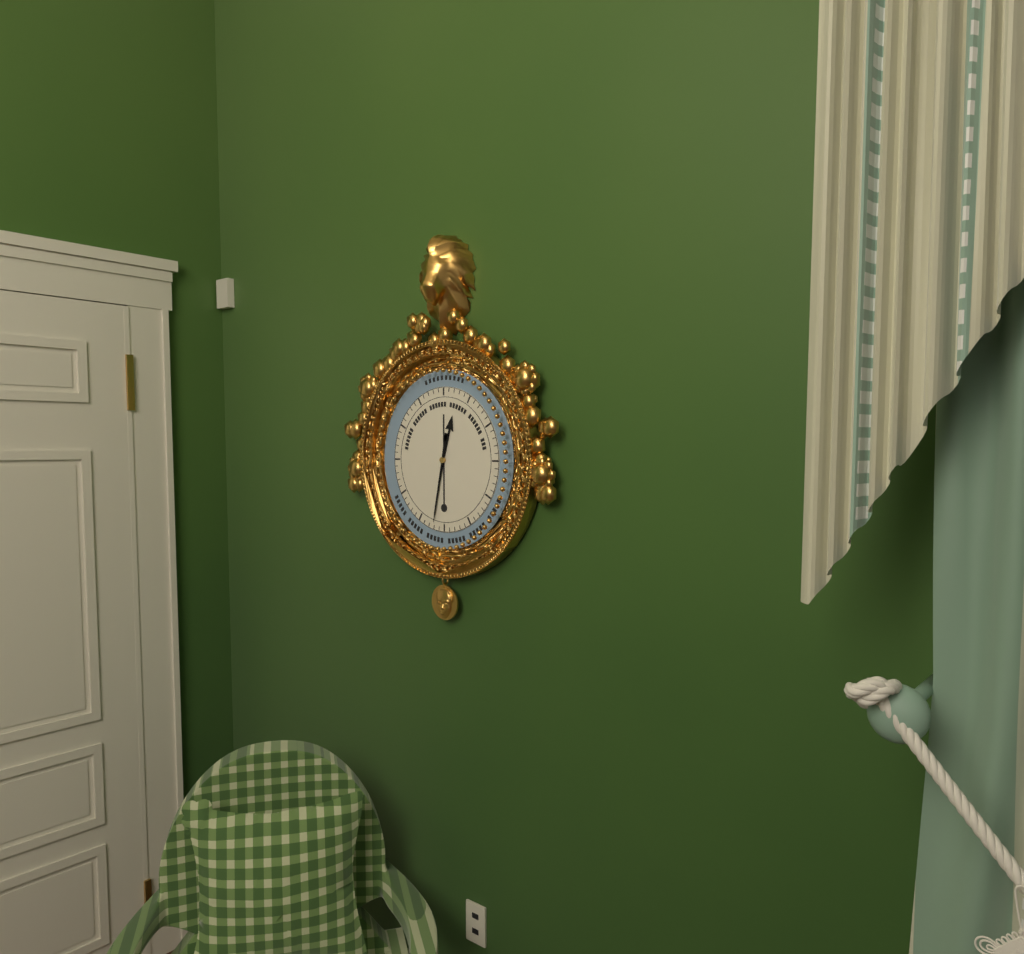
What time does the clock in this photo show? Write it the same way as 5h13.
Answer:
12h32
